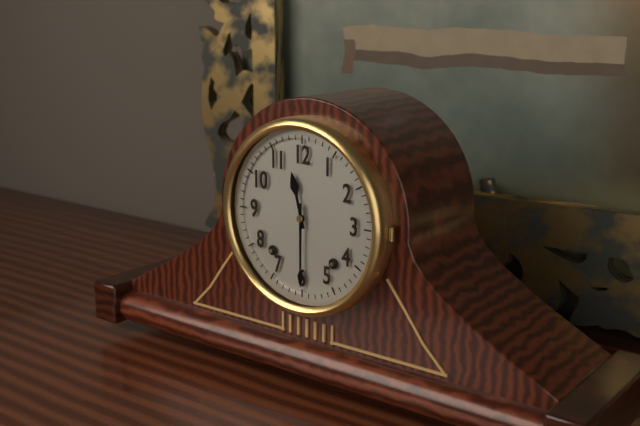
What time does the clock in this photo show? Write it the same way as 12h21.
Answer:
11h30
